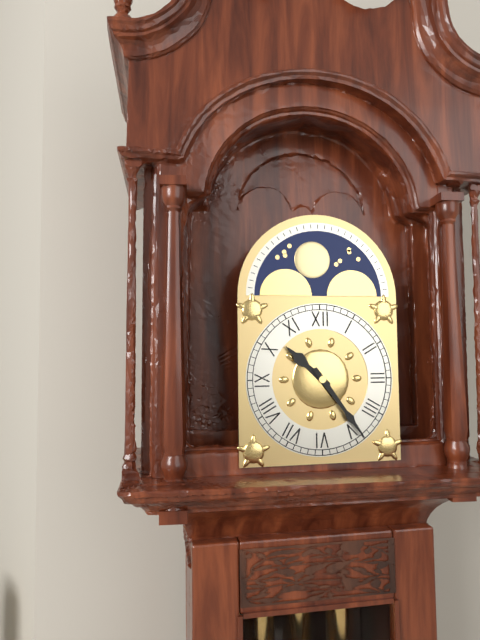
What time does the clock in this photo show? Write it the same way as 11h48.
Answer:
10h24
